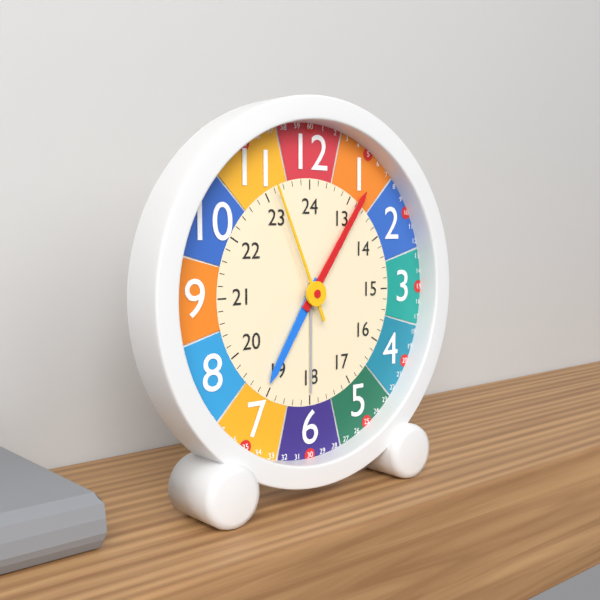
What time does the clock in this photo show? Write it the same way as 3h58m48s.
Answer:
7h06m56s
